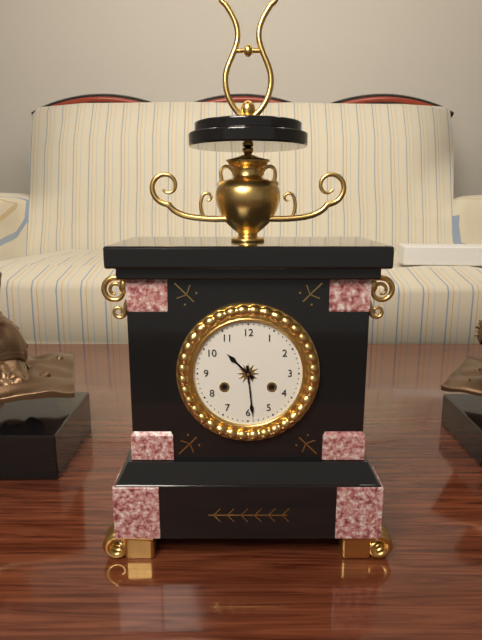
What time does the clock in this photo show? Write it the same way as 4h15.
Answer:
10h29
